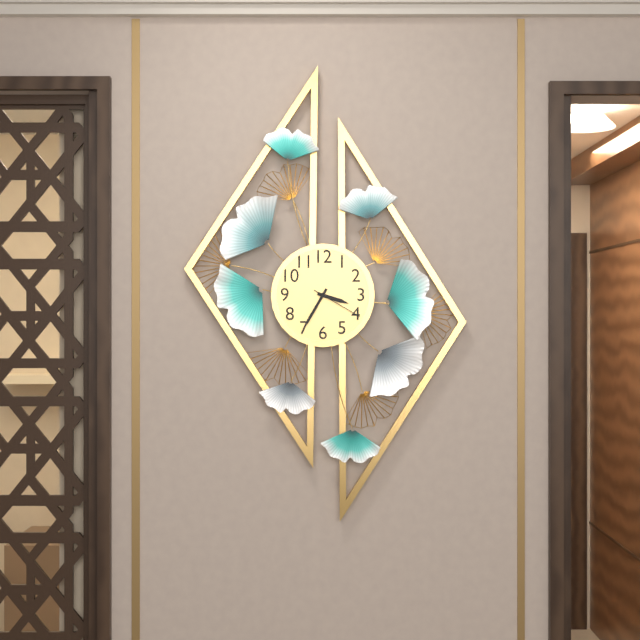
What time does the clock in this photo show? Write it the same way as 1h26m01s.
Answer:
3h35m20s
